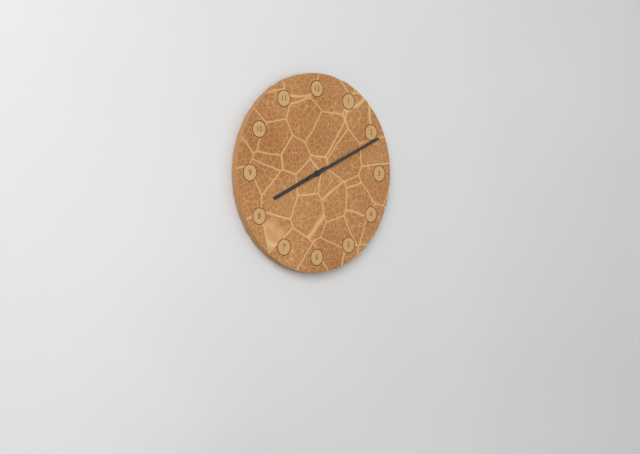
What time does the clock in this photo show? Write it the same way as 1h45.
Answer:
8h11
